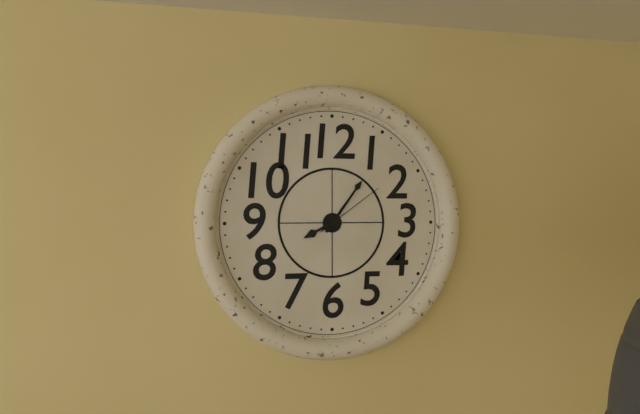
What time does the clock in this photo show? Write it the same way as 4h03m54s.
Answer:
8h06m09s
